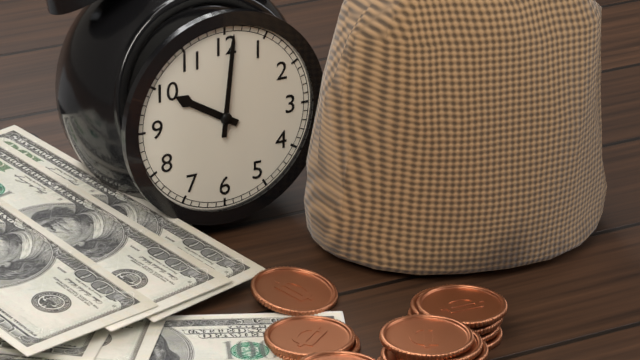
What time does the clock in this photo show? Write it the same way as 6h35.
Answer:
10h01
